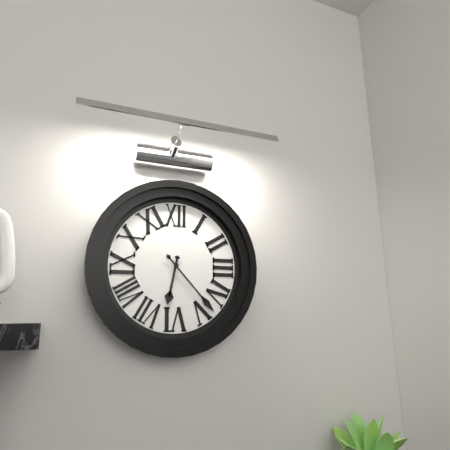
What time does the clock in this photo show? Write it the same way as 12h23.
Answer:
6h23
